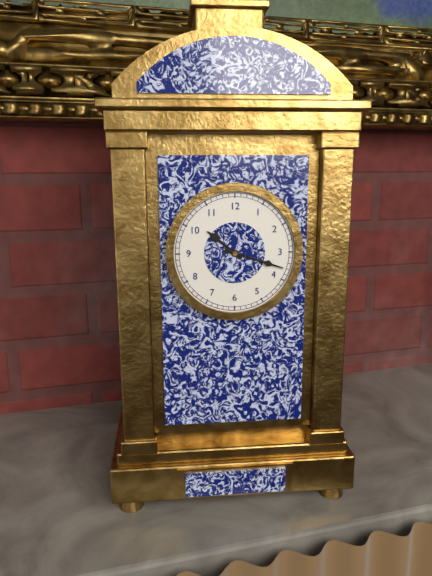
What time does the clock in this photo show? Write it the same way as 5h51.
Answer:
10h18
